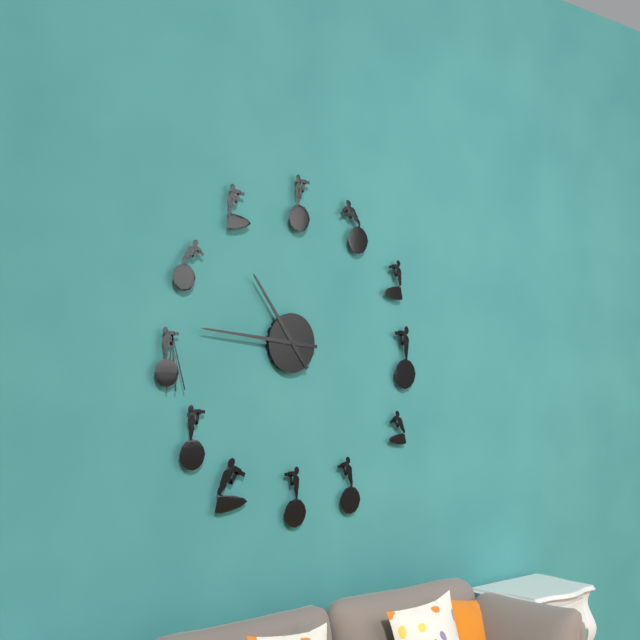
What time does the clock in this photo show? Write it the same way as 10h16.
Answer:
10h46
